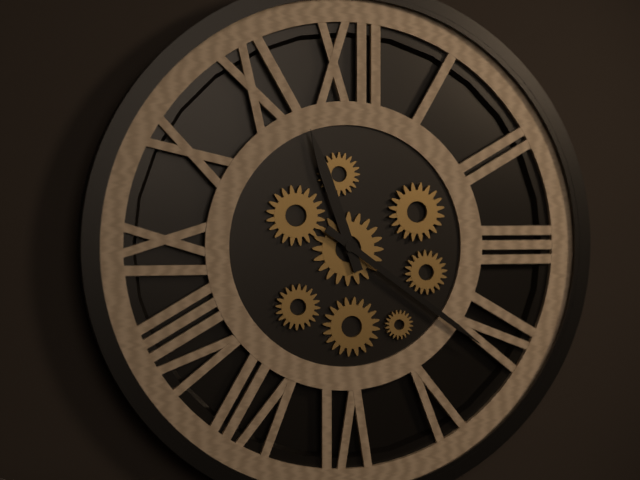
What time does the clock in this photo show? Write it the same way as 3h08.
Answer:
11h21
